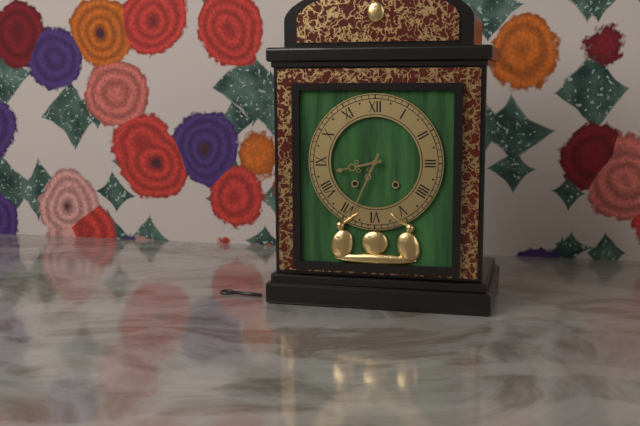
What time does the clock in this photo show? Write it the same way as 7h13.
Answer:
8h34
